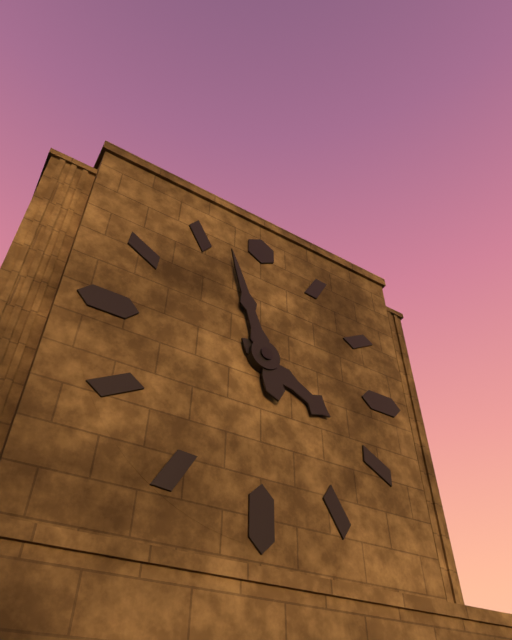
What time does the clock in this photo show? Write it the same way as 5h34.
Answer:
3h57
